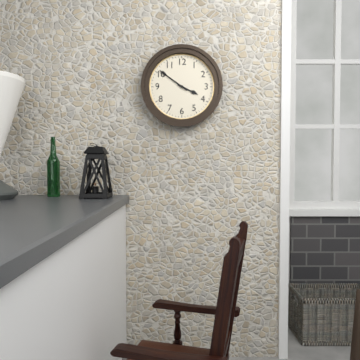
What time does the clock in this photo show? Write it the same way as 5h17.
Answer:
3h51
